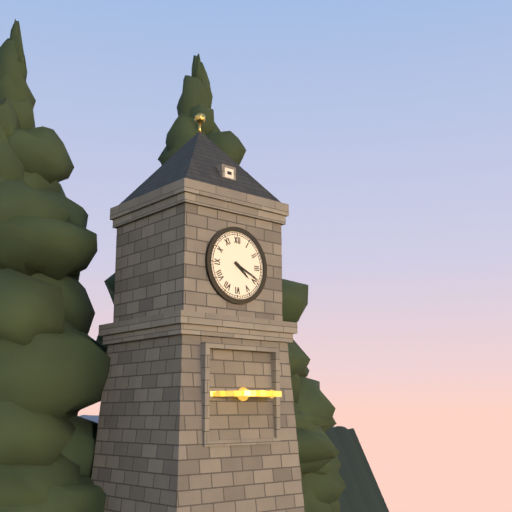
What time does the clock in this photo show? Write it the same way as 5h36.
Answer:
4h19
